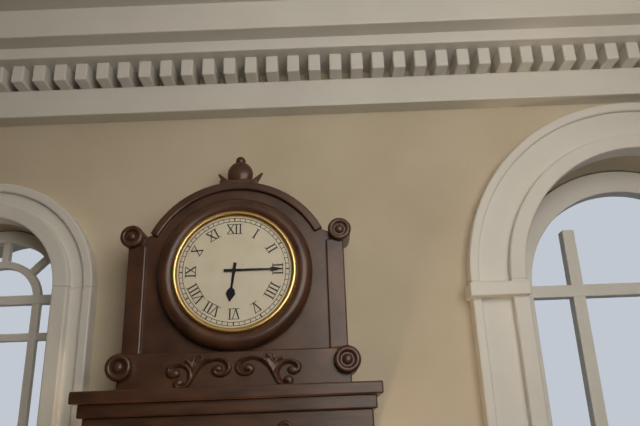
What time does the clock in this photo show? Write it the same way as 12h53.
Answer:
6h15
